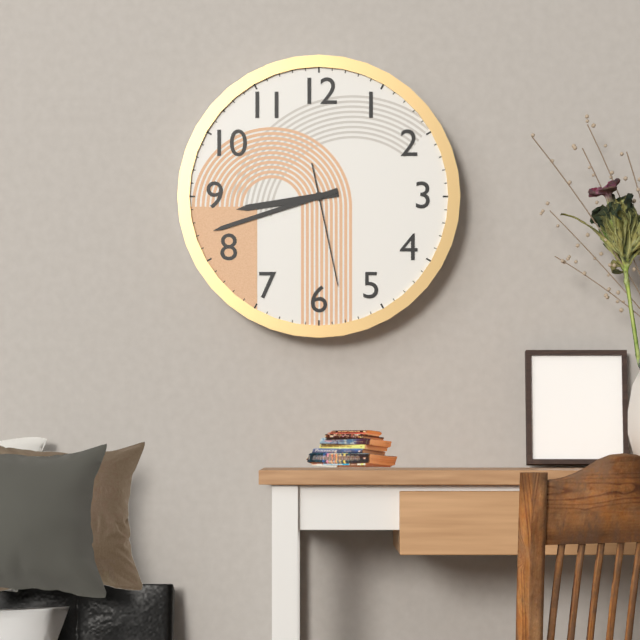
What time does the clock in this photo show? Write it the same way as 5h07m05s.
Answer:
8h42m28s
